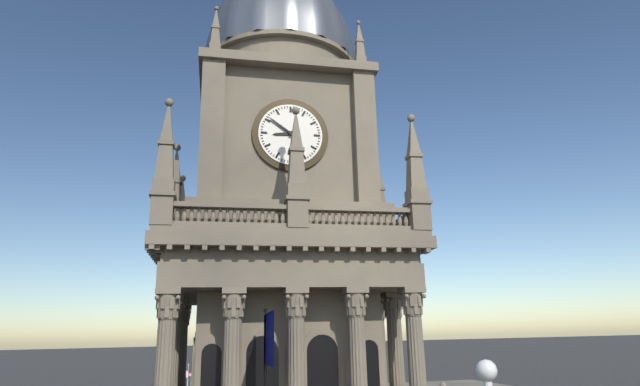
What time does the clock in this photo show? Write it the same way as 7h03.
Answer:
8h51
